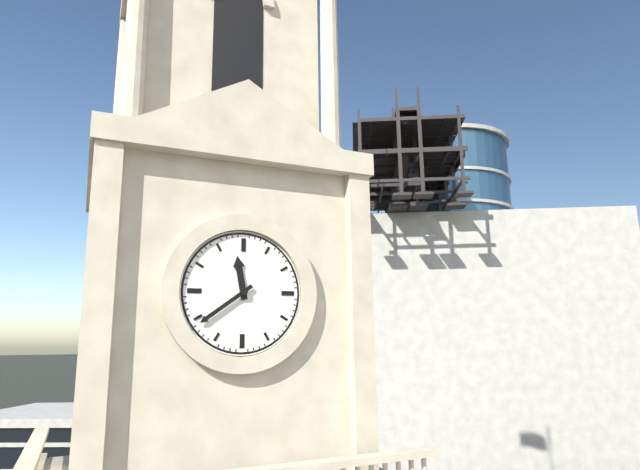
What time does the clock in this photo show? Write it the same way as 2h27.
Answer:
11h39
